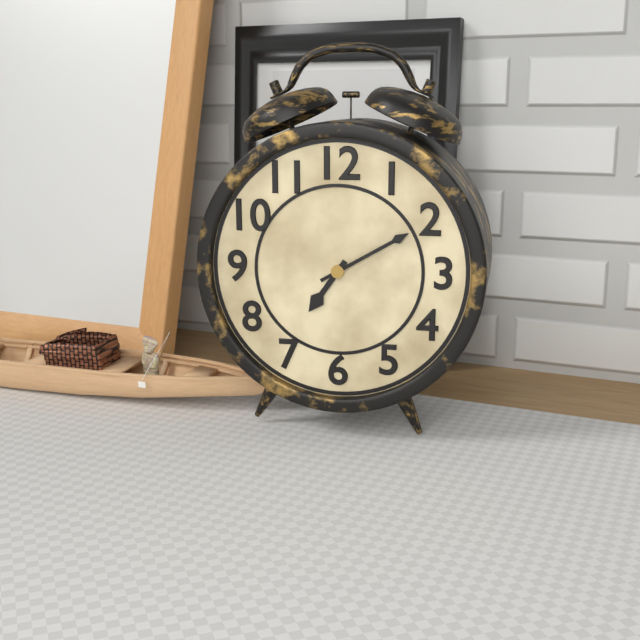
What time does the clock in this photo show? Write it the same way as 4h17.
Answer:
7h10
